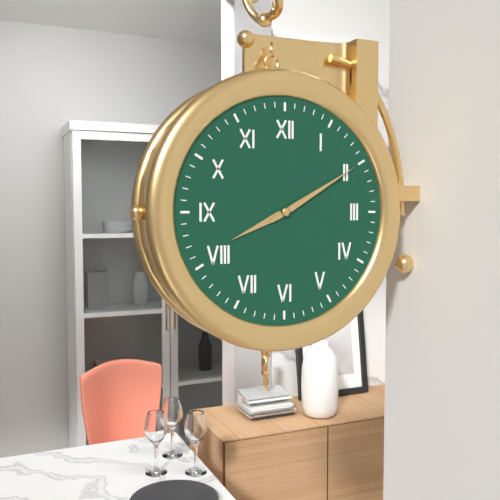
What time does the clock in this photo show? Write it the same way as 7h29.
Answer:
8h10
